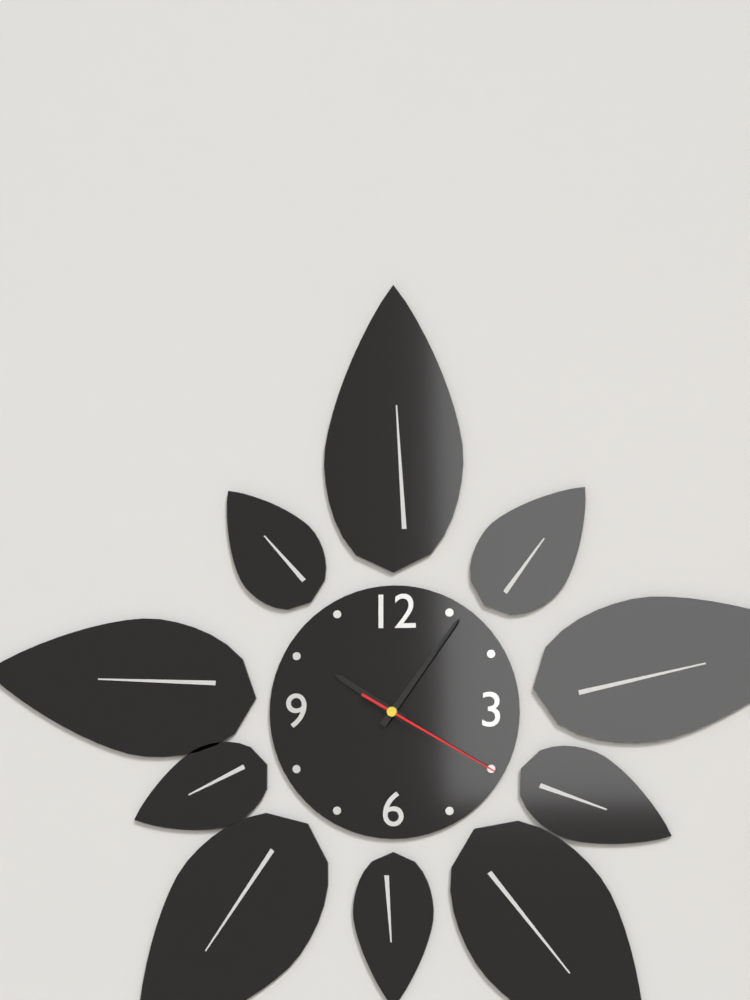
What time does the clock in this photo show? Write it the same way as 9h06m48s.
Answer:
10h06m20s
